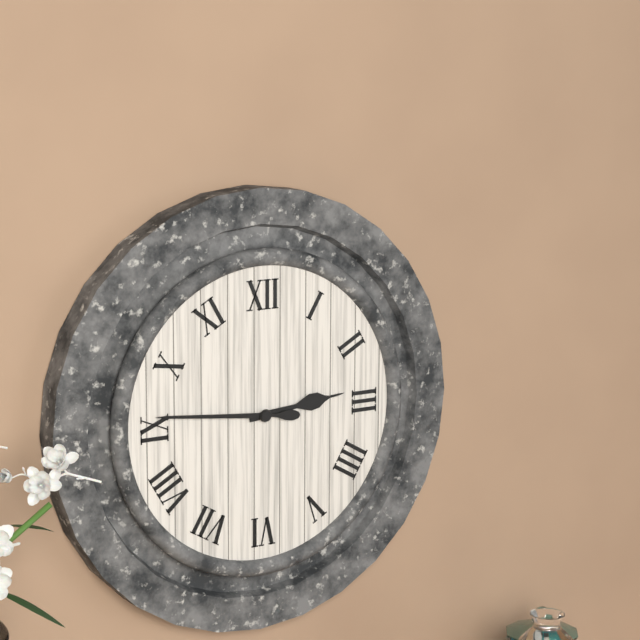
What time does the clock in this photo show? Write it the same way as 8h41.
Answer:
2h46
